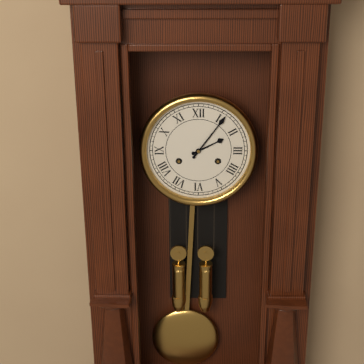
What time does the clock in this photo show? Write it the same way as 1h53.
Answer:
2h06
